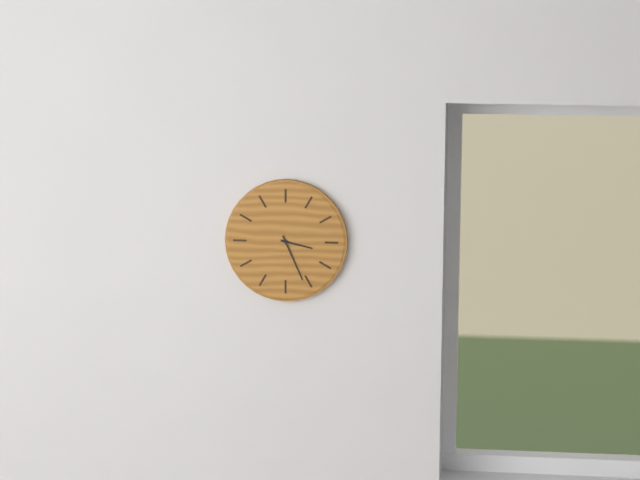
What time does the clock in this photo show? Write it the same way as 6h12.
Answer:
3h26
